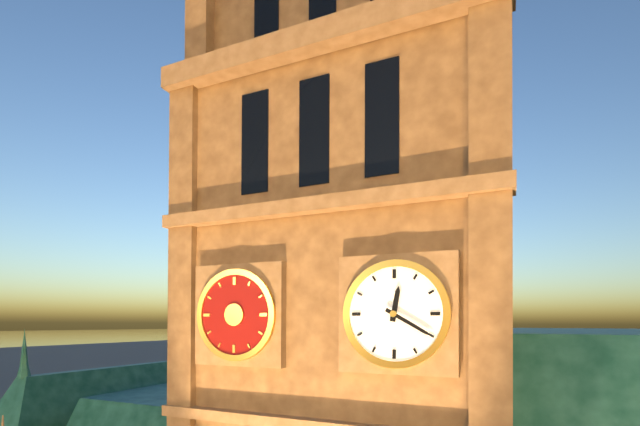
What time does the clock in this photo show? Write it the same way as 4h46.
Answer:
12h20
